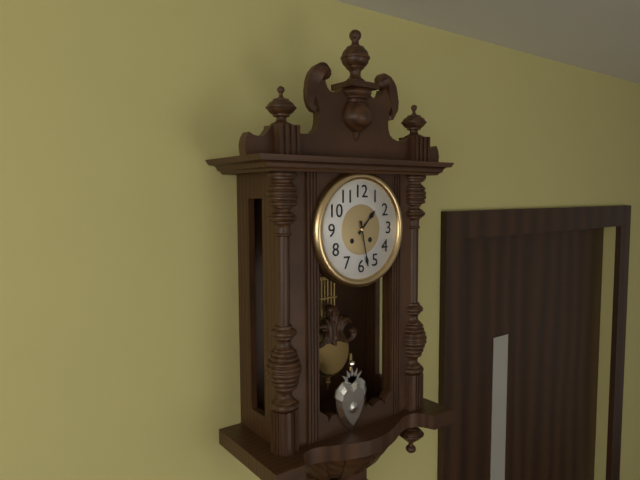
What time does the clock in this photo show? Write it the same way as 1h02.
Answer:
1h28
